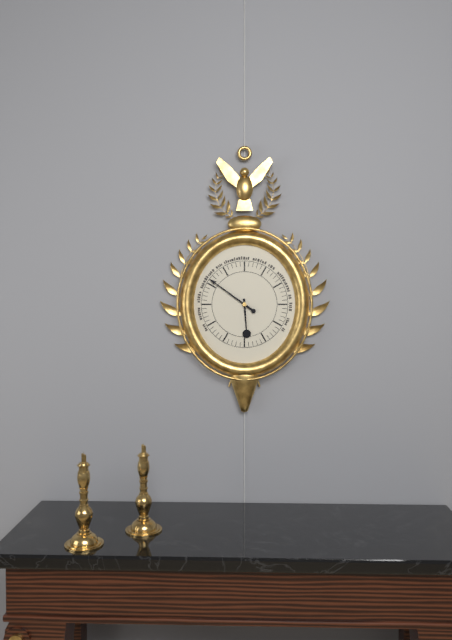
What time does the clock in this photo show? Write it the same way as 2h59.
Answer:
5h51
